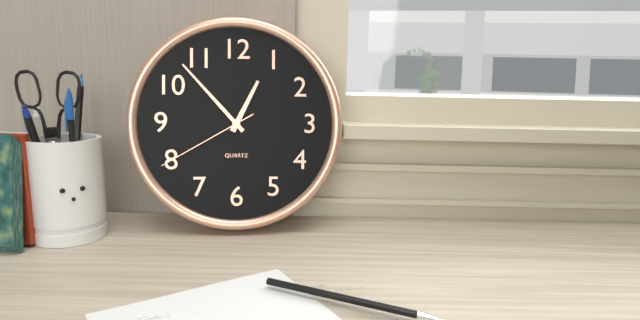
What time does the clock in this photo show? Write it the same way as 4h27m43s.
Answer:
12h53m40s
